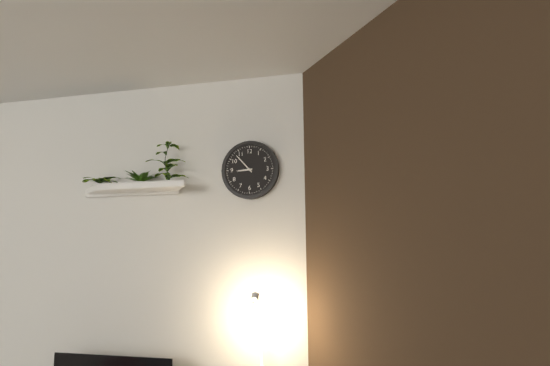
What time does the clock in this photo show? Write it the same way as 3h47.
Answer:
8h53
